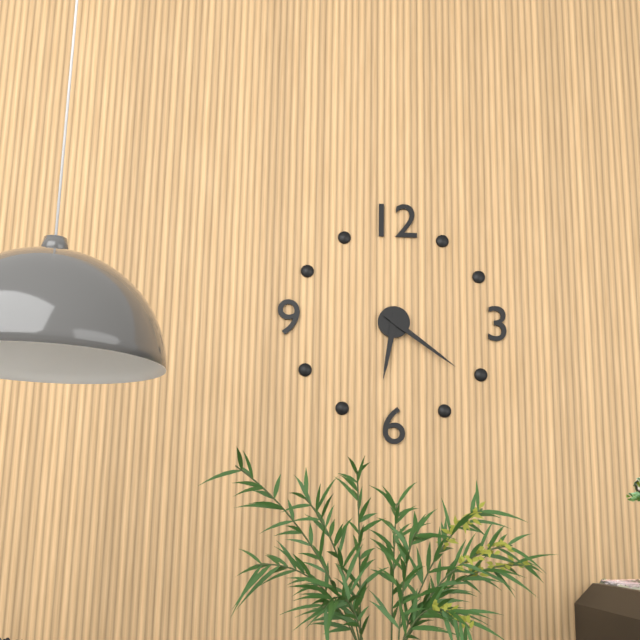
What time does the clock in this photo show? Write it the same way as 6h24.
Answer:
6h21
